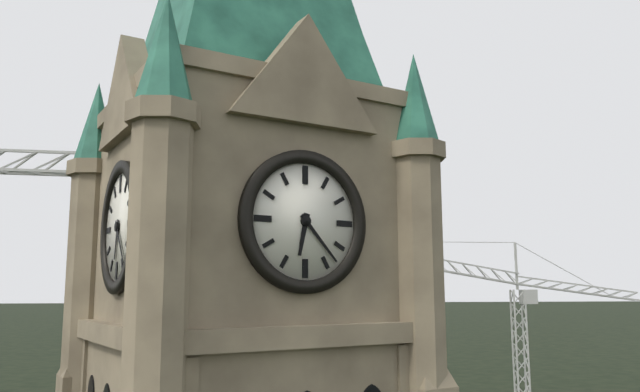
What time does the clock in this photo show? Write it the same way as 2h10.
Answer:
6h23
